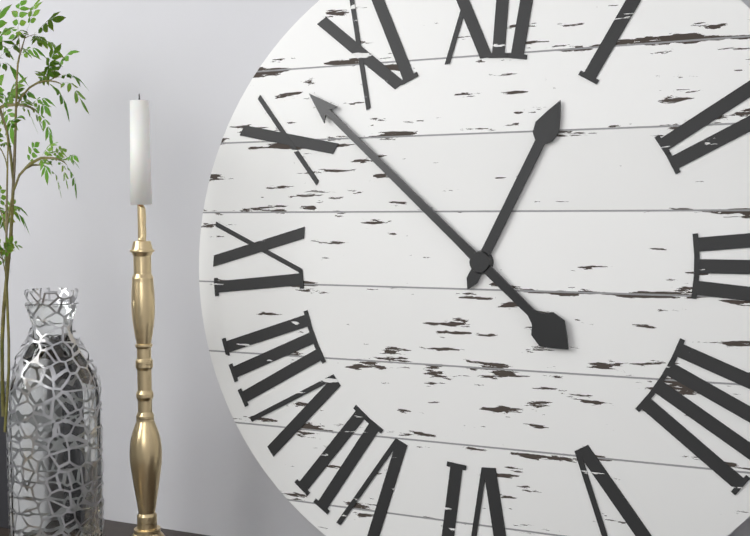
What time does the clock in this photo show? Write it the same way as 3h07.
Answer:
12h52
